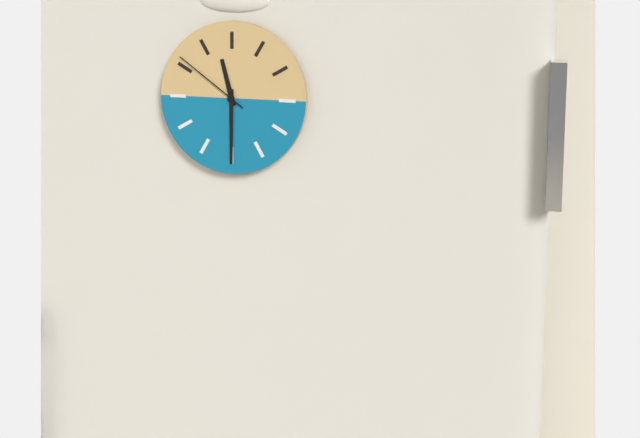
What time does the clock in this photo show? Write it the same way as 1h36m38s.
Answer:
11h30m51s
